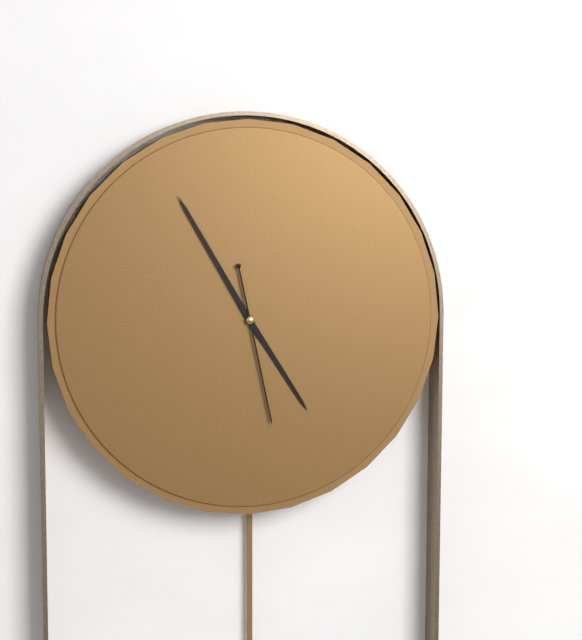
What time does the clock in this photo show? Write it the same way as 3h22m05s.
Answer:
4h55m28s
